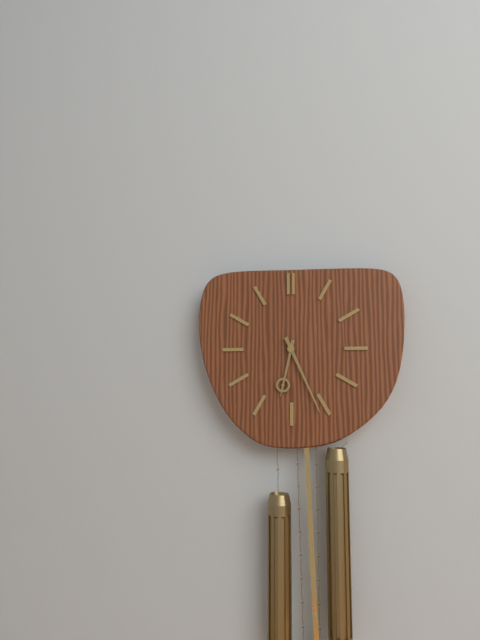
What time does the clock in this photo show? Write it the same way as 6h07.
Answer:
6h26
